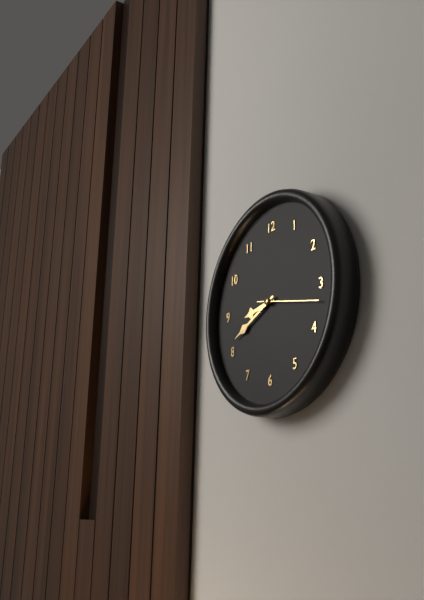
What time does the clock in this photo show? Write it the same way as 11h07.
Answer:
8h41
